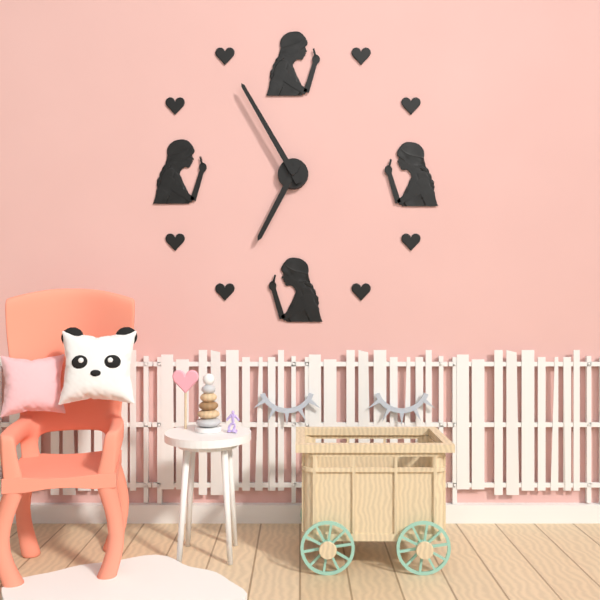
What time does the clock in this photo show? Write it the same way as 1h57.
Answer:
6h55
